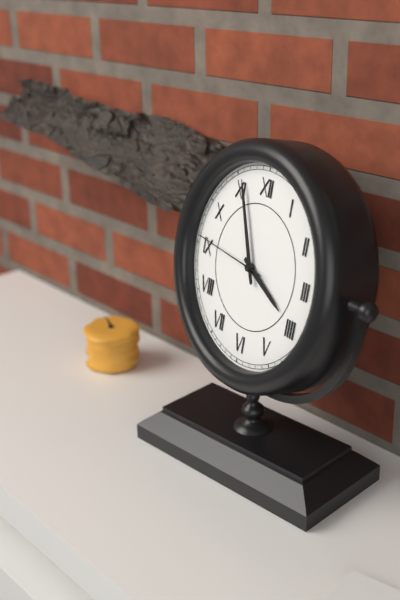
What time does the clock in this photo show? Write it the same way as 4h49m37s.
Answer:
3h56m46s
